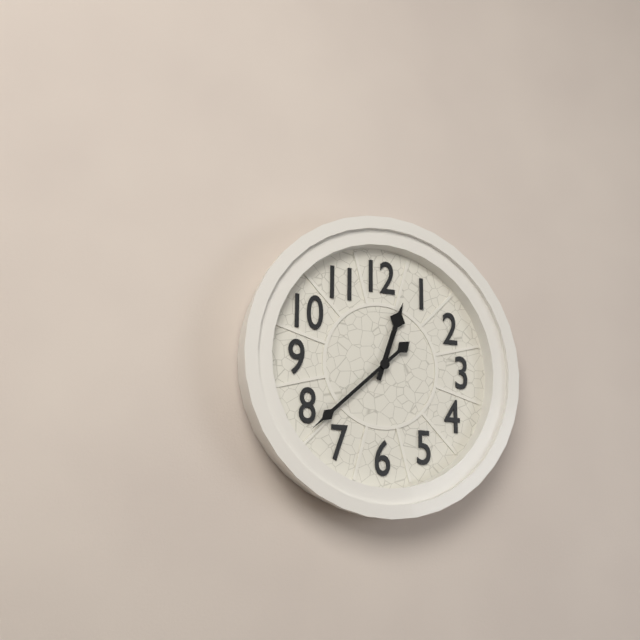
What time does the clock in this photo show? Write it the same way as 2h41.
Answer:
12h38
